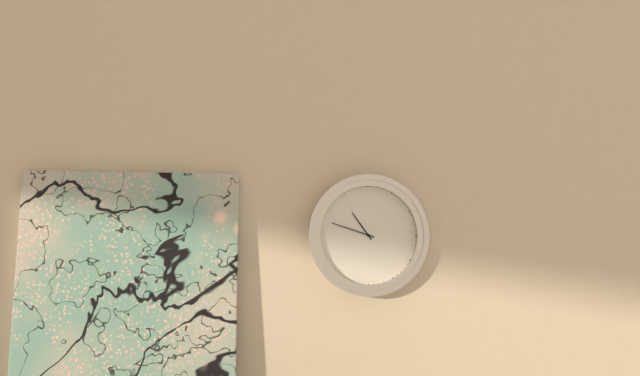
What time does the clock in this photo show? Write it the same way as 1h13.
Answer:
10h48
